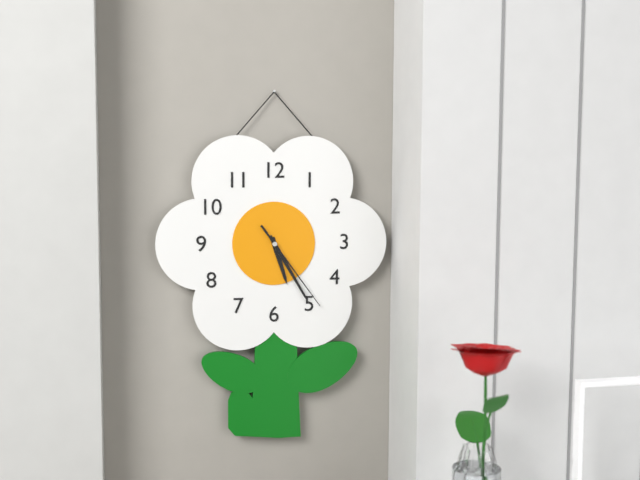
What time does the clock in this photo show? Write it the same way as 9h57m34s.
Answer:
5h25m24s
